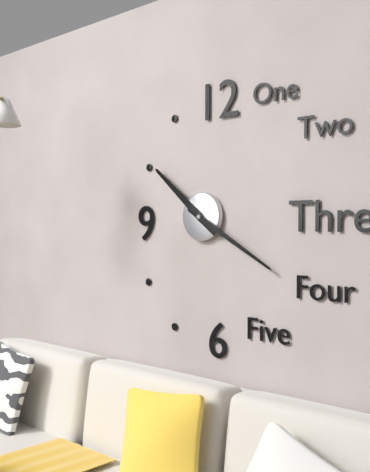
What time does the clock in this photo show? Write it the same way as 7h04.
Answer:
10h20
